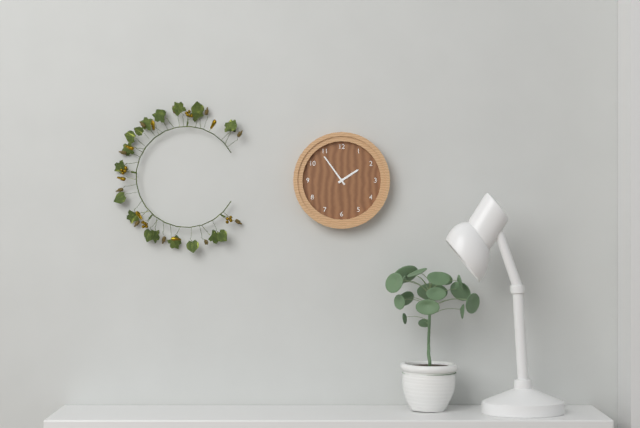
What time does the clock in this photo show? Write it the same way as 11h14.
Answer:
1h54
